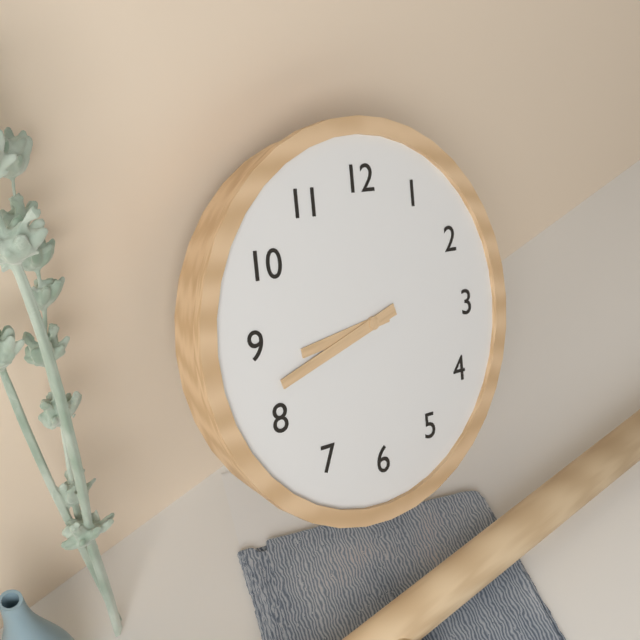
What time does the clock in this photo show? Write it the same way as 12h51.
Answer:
8h42
